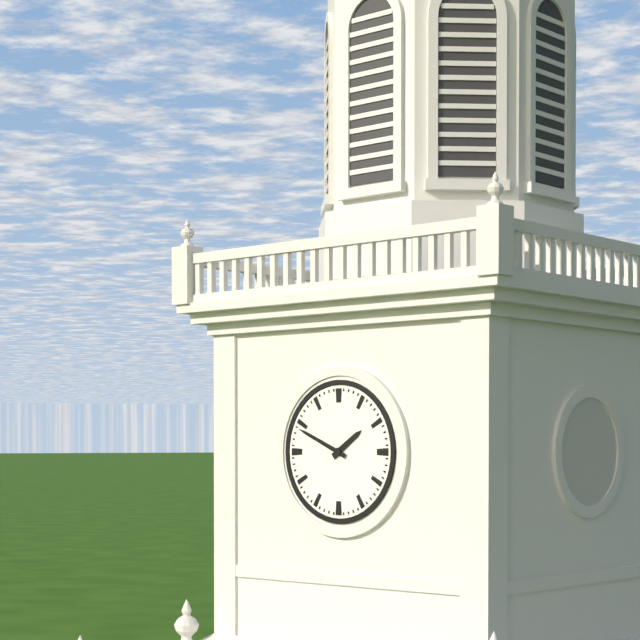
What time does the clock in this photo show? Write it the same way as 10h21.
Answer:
1h49
